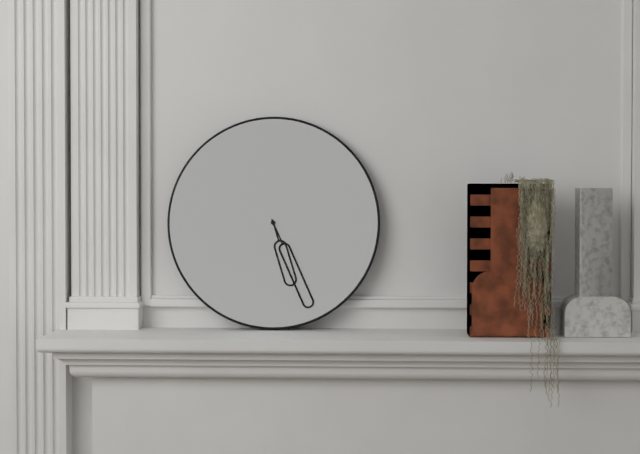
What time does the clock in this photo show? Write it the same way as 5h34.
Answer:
5h26
